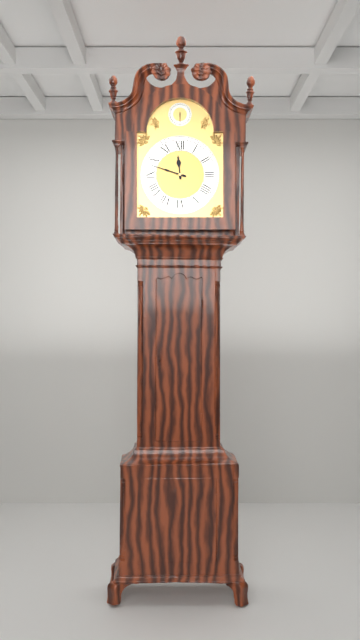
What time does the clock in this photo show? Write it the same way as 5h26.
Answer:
11h48
